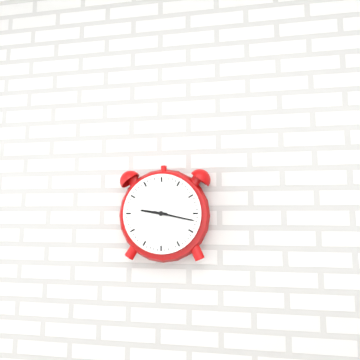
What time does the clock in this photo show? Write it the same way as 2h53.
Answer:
9h17
